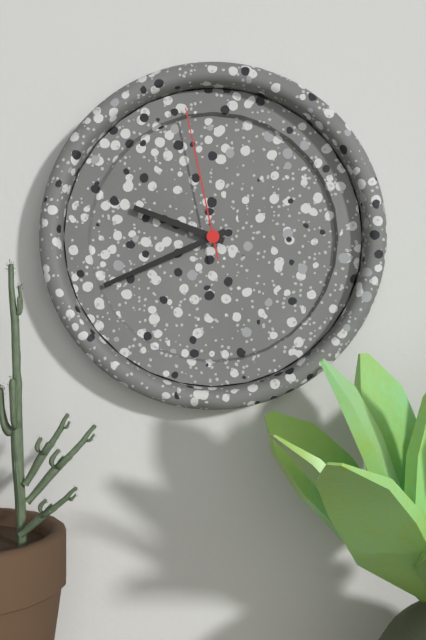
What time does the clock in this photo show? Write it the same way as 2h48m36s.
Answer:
9h41m58s
